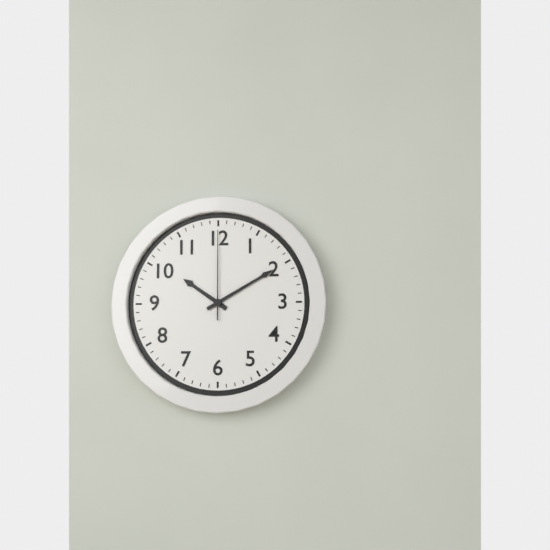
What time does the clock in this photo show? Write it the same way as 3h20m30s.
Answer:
10h10m00s
